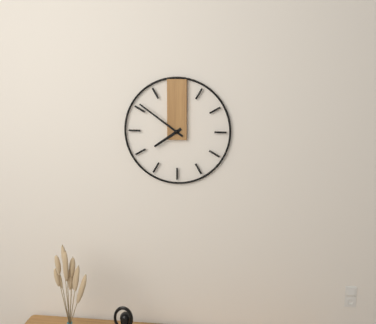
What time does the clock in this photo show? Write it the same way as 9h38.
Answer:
7h51
